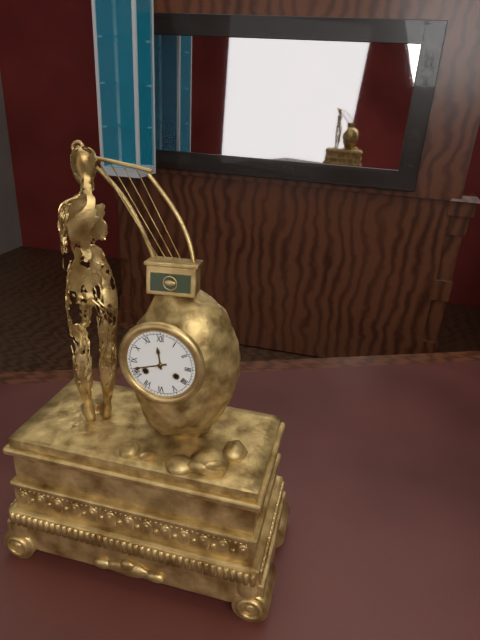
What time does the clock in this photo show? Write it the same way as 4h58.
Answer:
11h42
